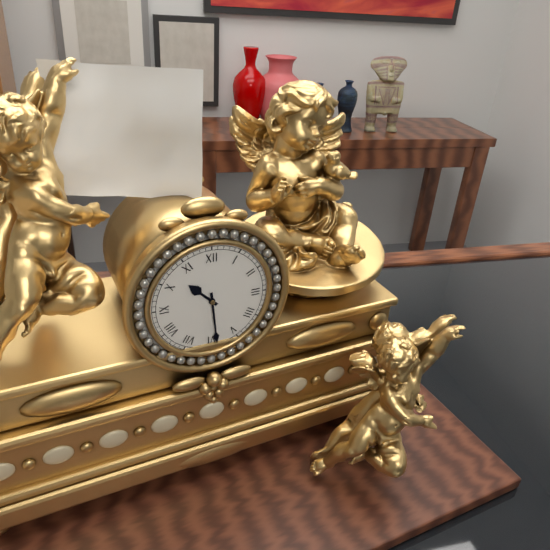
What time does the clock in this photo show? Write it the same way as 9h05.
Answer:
10h29
